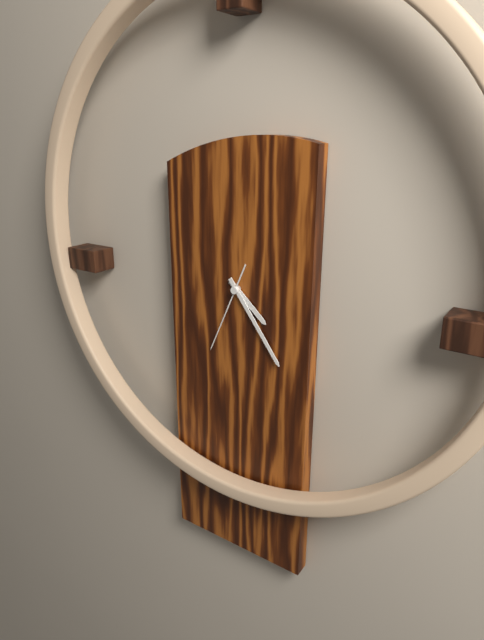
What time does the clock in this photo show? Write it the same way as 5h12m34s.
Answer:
4h24m34s
